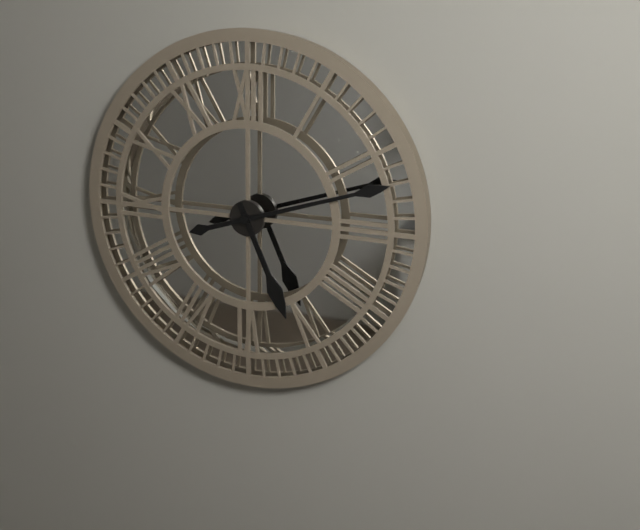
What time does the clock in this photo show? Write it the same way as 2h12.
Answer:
5h12
